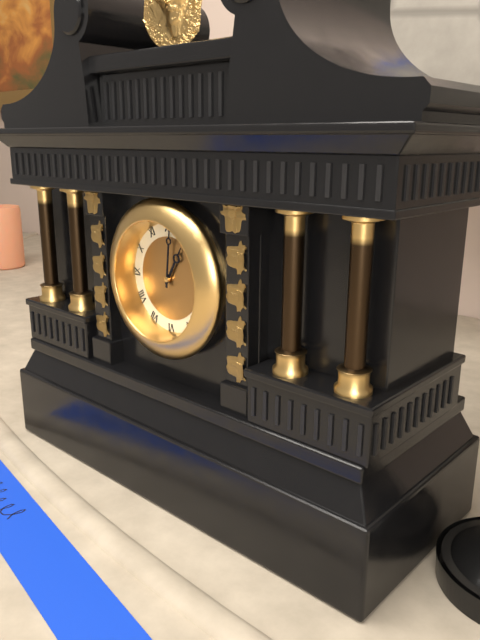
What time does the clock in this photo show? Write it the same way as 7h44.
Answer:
1h01
